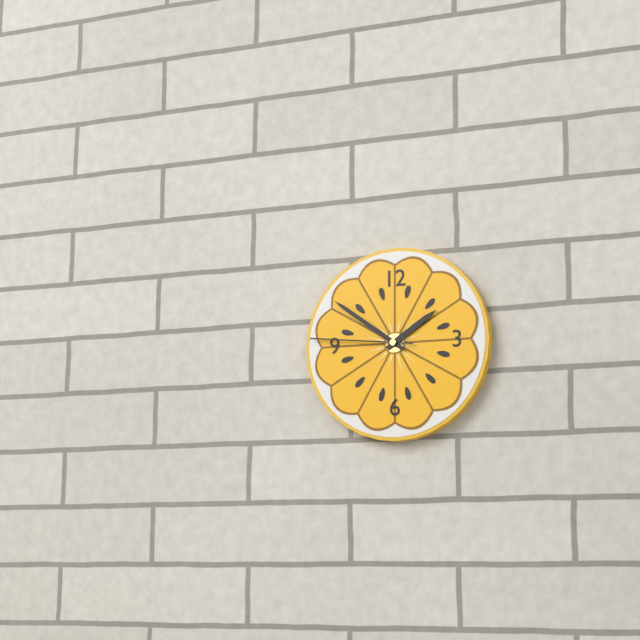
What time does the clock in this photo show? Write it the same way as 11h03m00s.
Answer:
1h51m46s
